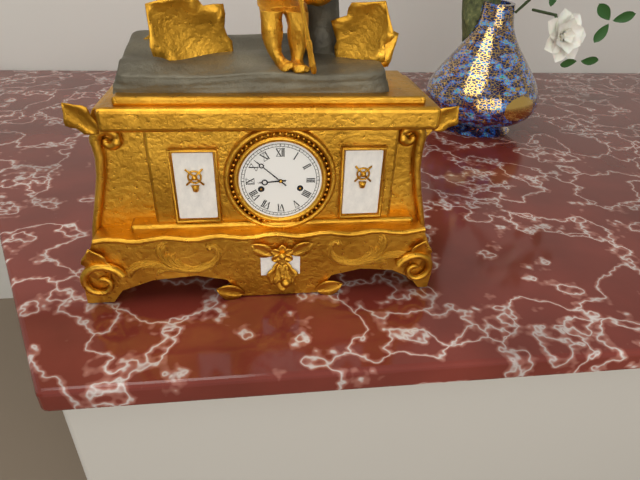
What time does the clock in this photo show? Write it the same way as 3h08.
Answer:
8h52
